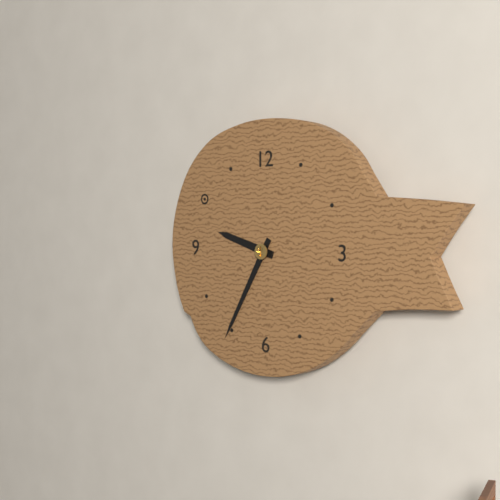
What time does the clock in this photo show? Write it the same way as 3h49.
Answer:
9h35
